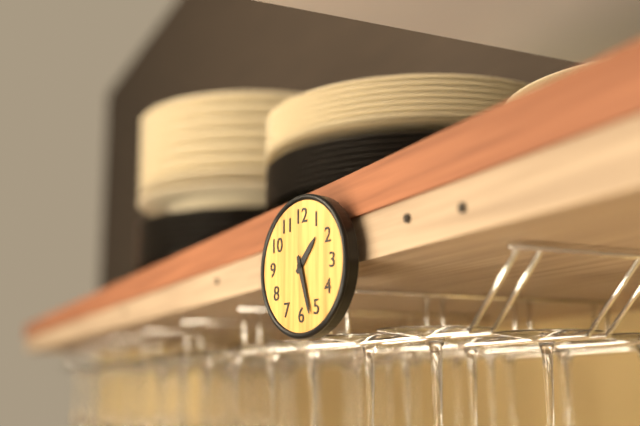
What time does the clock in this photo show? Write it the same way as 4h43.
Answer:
1h27
